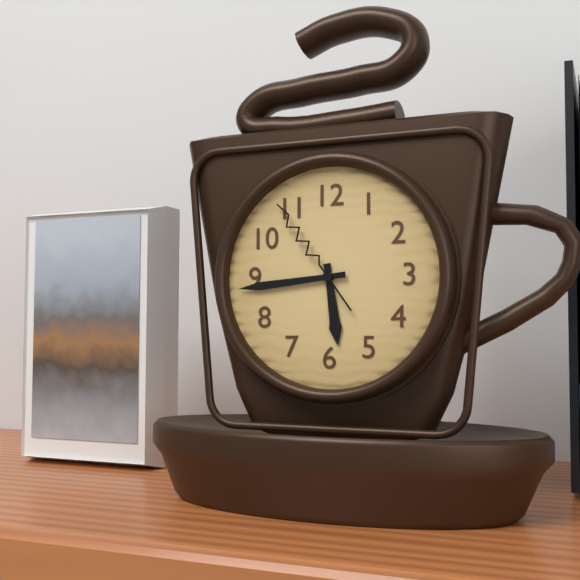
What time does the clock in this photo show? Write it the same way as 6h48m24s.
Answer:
5h44m54s
